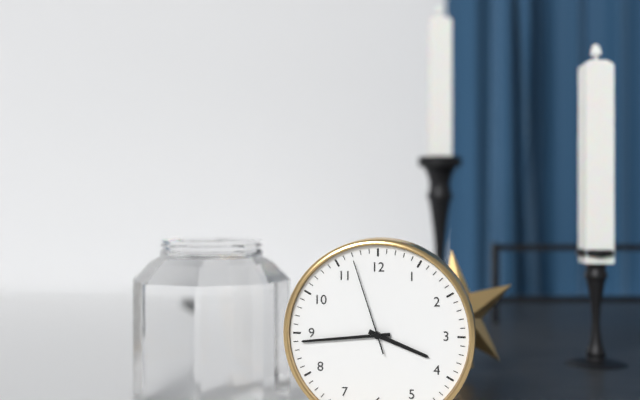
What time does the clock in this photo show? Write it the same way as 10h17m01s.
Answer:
3h44m57s
